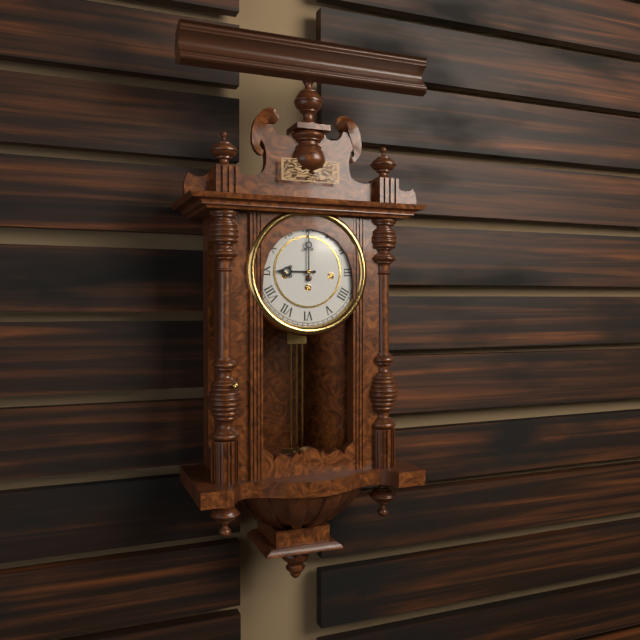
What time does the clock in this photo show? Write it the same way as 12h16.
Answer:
9h00
